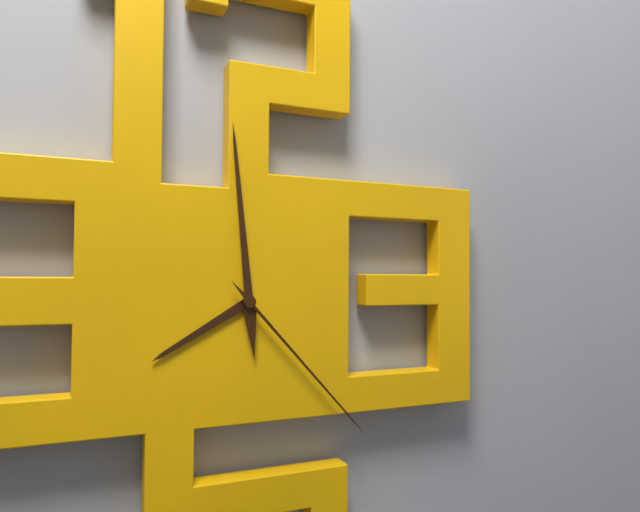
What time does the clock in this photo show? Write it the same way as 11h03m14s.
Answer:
7h59m23s
